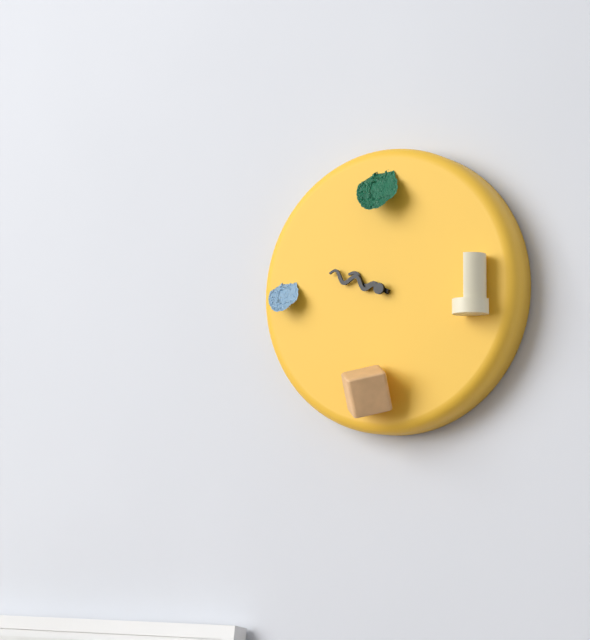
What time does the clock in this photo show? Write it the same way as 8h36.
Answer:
9h48
